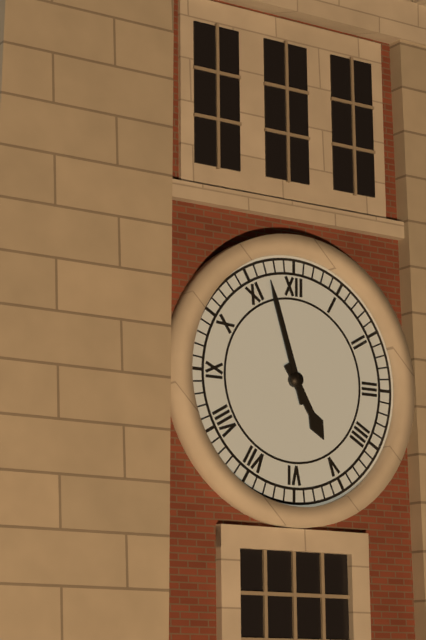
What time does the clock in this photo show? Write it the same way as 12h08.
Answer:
4h57
